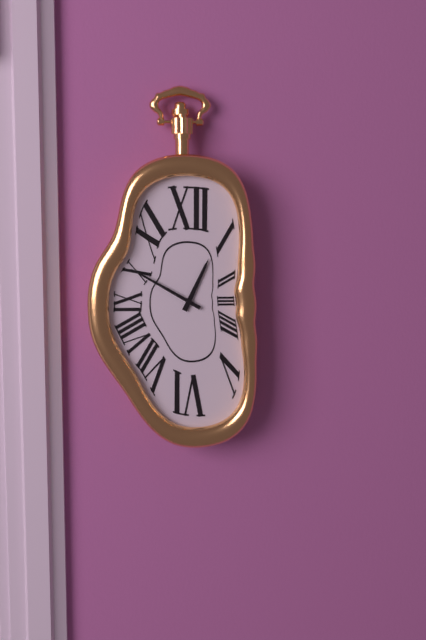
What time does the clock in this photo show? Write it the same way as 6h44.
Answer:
12h50
